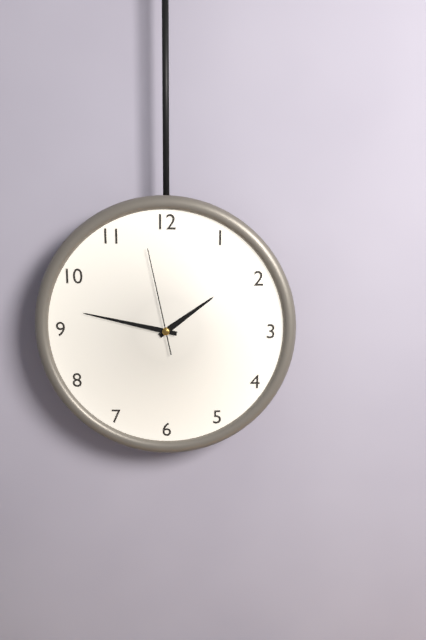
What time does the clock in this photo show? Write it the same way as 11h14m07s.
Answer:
1h47m58s
